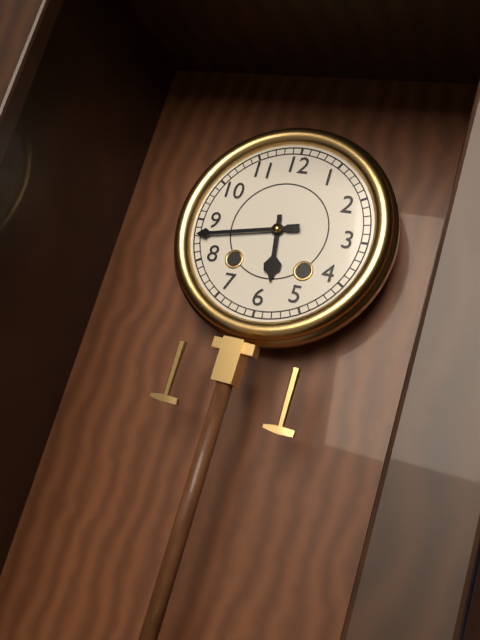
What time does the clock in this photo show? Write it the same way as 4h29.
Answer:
5h43
